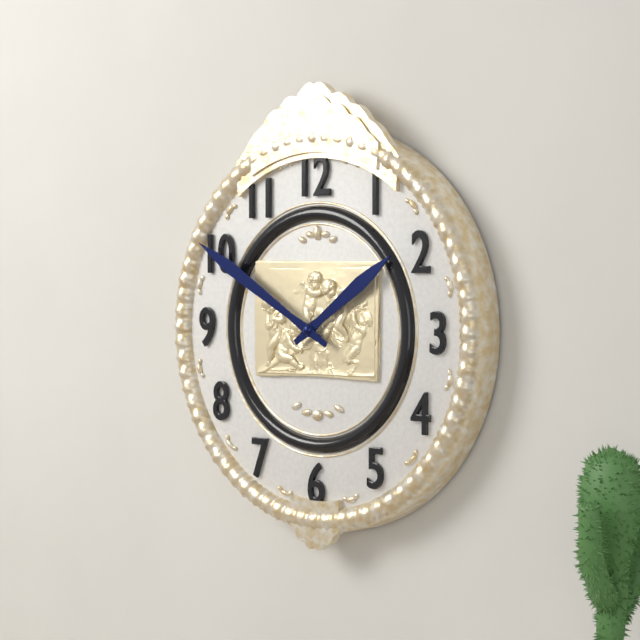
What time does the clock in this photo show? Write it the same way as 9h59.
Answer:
1h50
